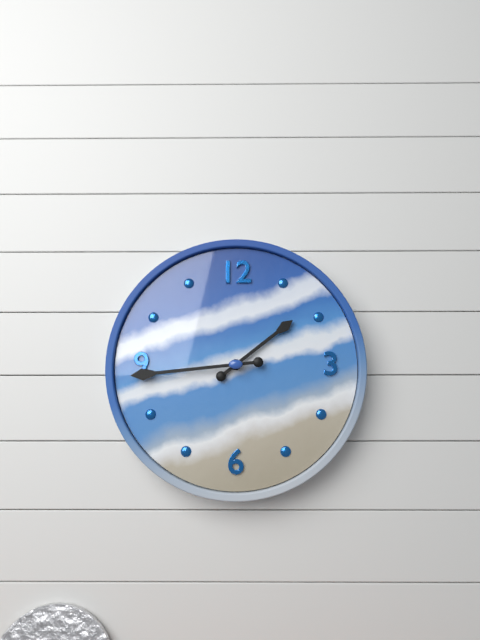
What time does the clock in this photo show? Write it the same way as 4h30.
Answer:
1h44
